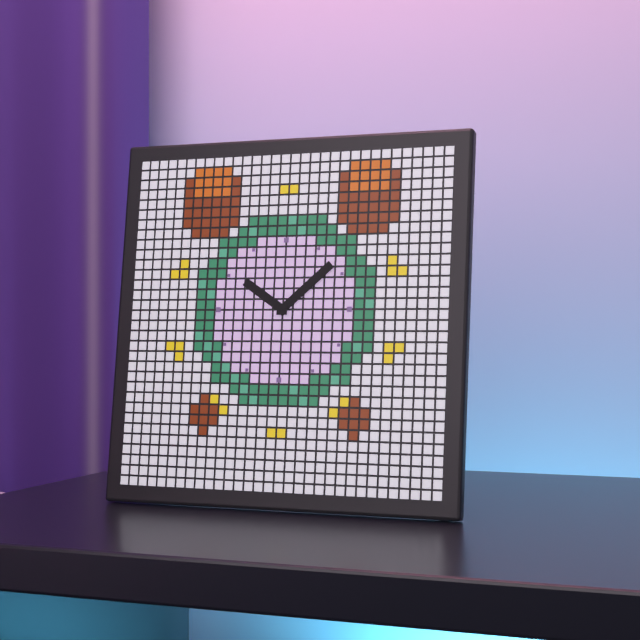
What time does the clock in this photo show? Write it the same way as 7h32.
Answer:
10h08
